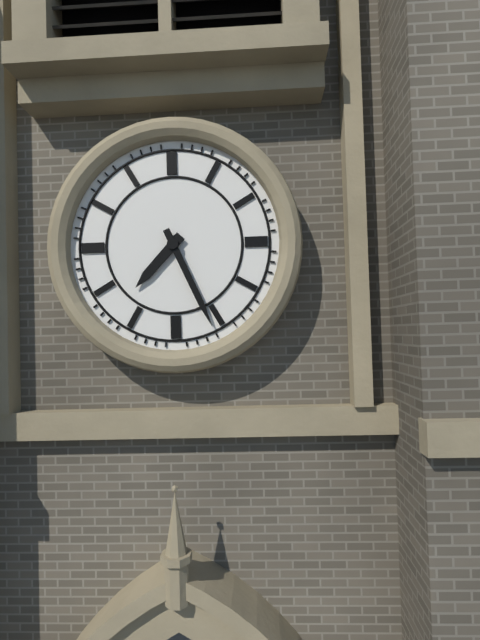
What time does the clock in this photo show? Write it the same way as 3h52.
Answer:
7h26
